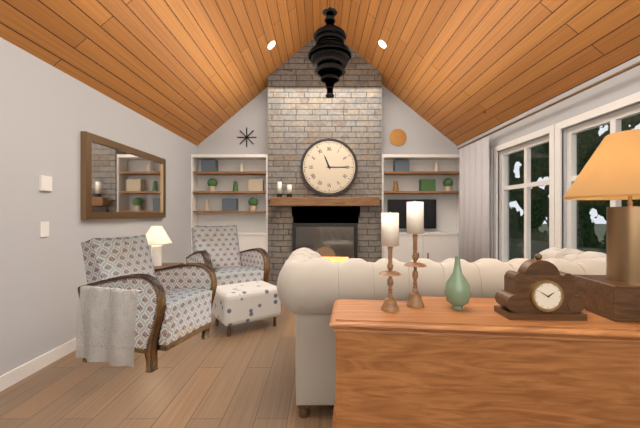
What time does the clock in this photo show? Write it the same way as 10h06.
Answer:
11h15
